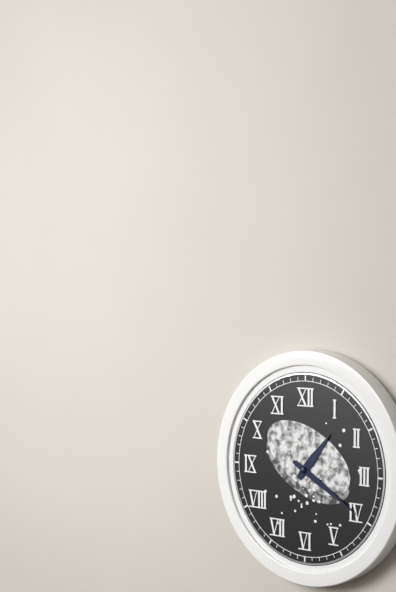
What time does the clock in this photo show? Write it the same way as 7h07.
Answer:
1h20
